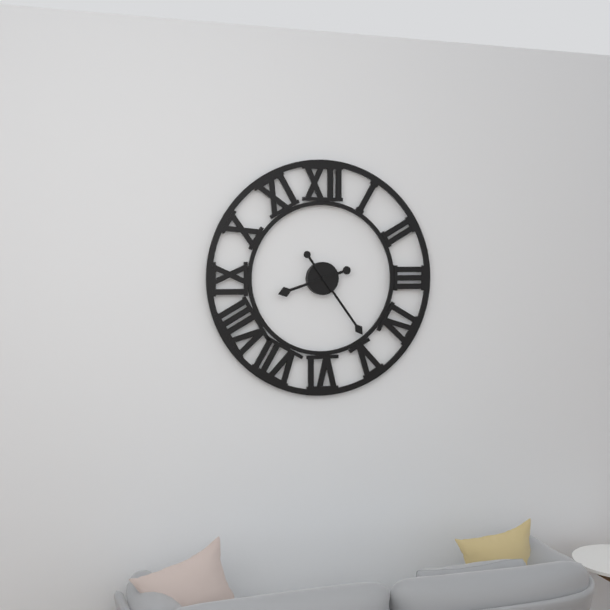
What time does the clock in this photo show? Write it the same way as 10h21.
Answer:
8h24
